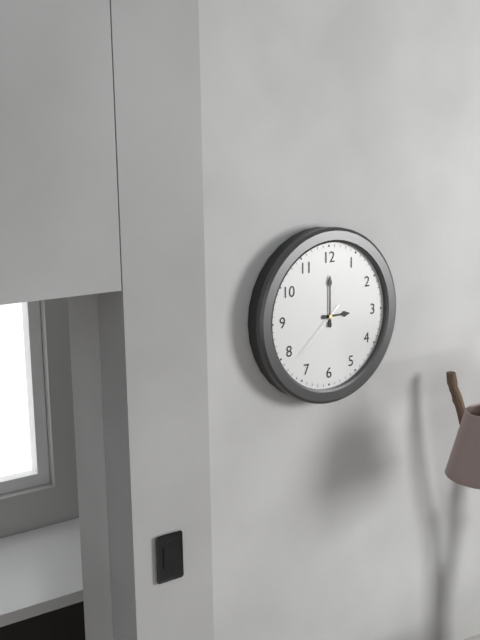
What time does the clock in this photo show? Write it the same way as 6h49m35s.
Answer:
3h00m38s
